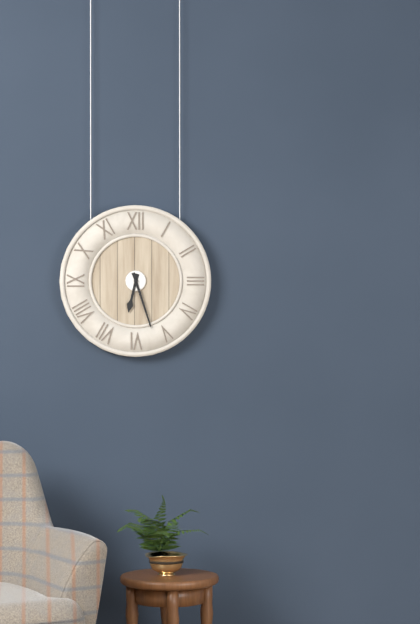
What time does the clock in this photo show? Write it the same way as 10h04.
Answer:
6h27
